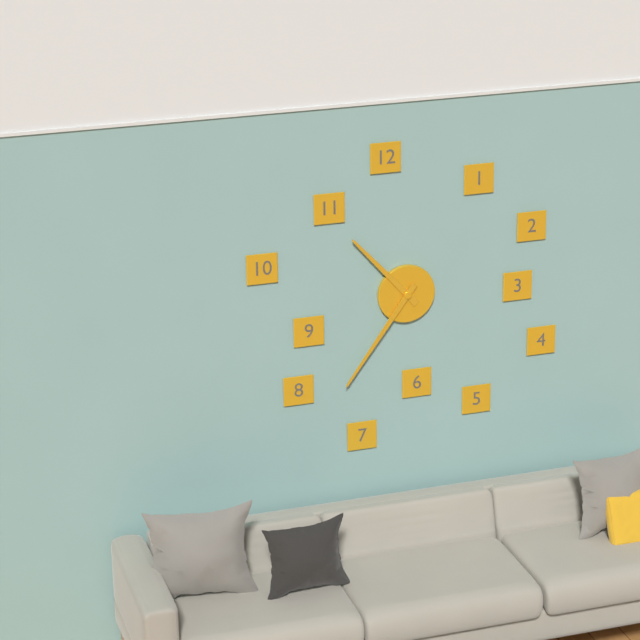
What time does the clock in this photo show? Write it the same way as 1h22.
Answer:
10h36
